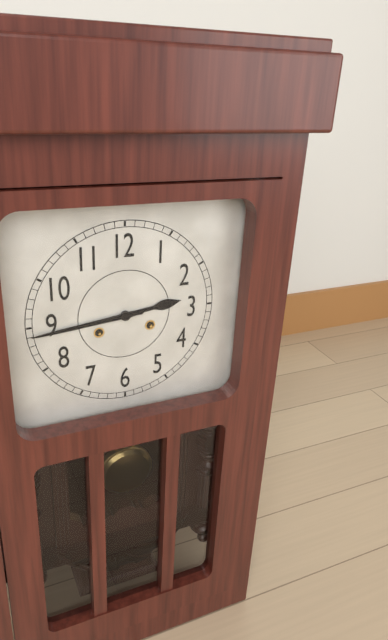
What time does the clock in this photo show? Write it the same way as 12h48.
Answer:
2h44
